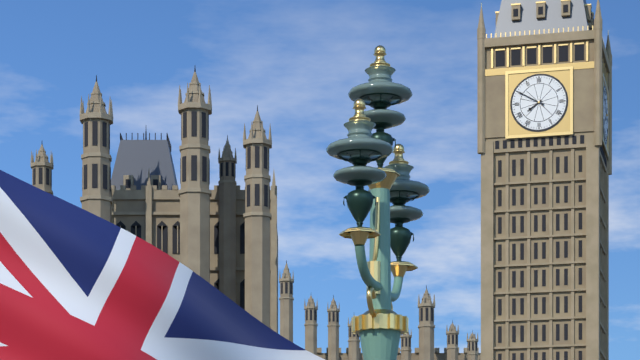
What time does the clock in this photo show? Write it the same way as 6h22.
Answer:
7h50
